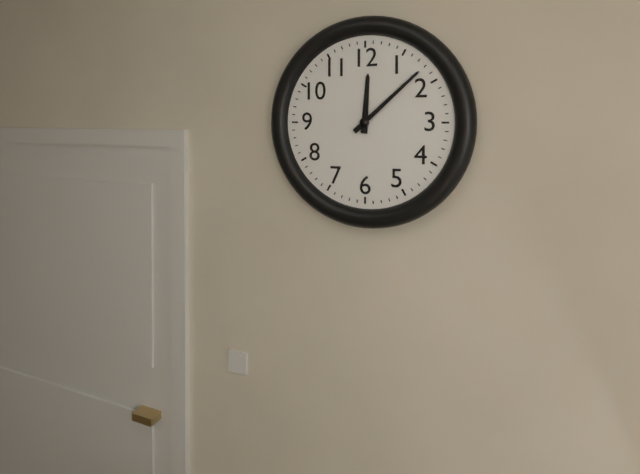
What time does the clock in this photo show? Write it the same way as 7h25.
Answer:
12h08
